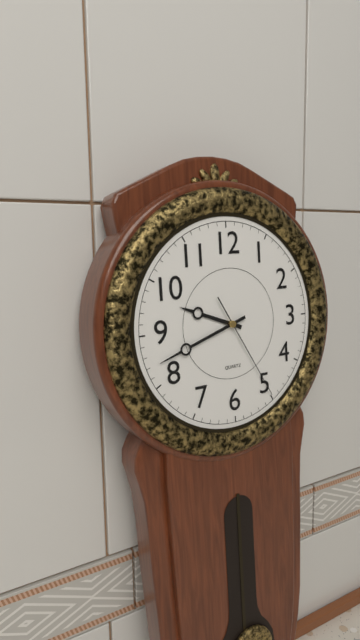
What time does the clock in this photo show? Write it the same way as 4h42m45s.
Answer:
9h42m25s
